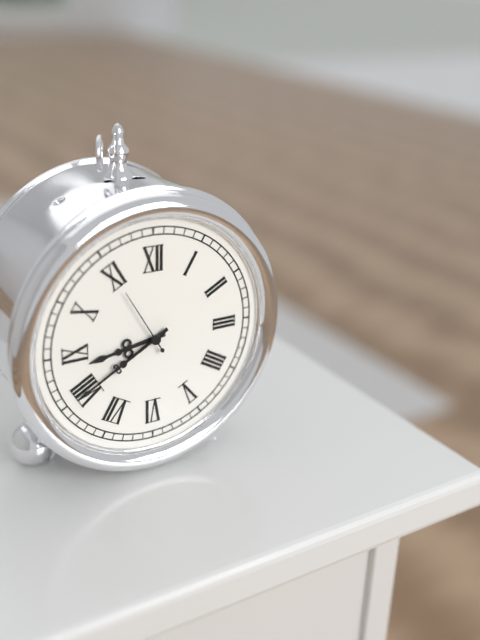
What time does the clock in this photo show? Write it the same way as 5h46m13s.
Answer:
8h40m55s
